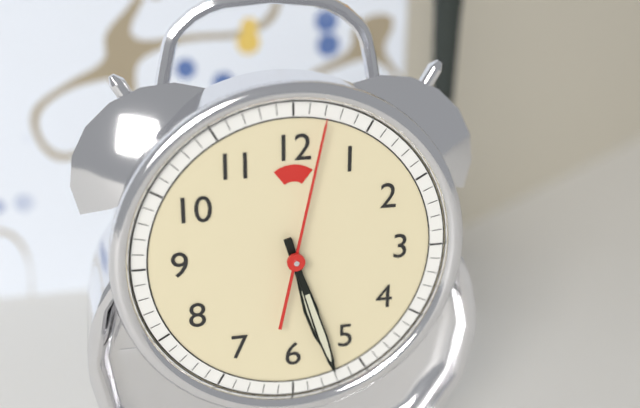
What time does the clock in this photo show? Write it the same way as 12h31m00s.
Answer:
5h27m02s
